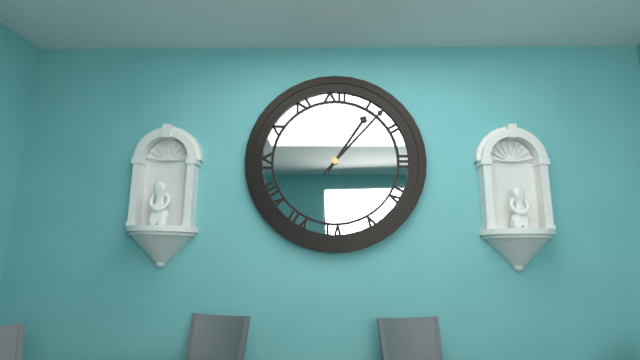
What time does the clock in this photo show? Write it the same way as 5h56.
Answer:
1h07
